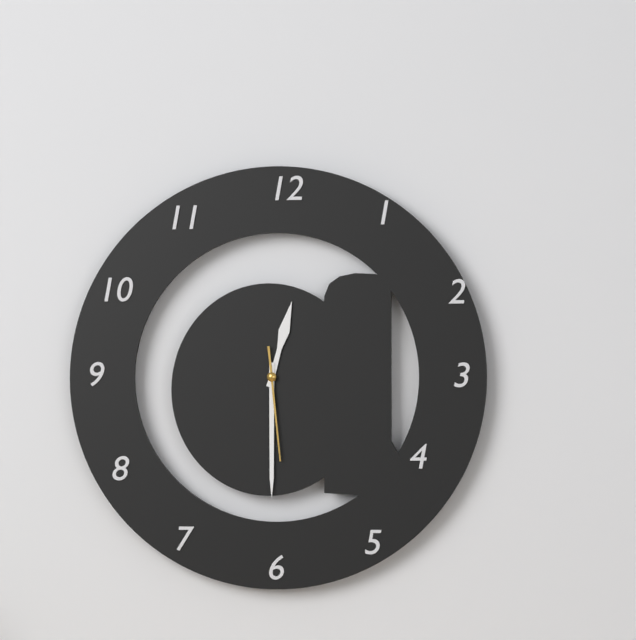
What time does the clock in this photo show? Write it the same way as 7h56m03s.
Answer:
12h30m29s
